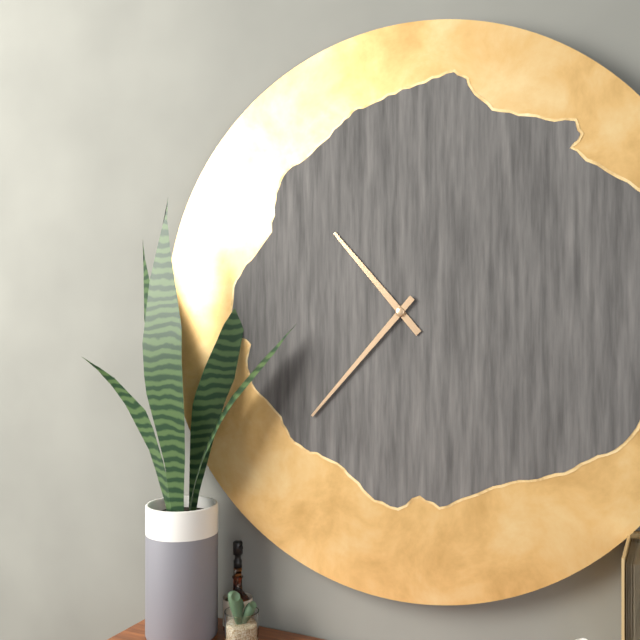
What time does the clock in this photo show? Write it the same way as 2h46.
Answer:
10h37
